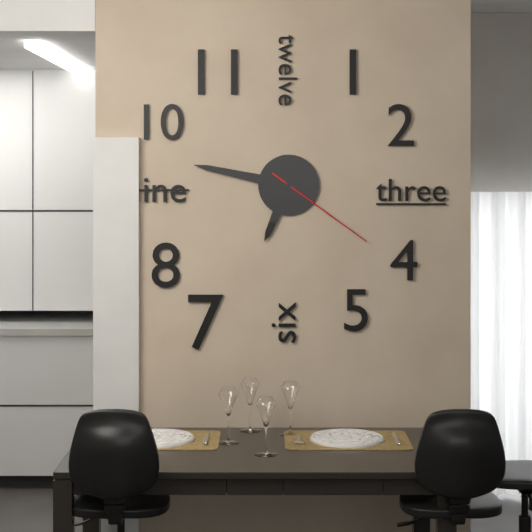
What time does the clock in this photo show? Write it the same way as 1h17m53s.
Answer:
6h47m21s
